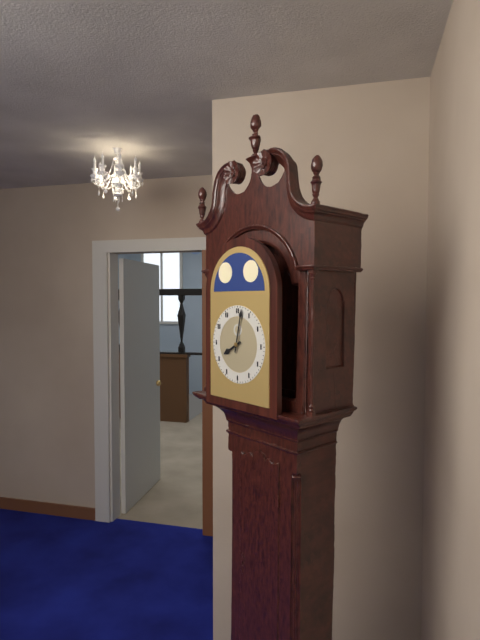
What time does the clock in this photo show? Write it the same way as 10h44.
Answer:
8h02
